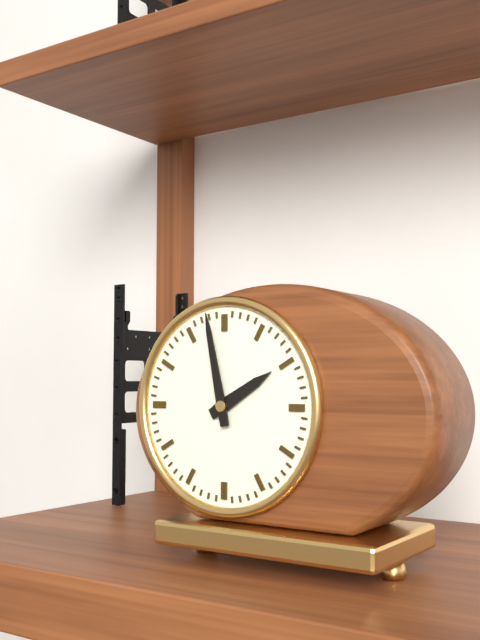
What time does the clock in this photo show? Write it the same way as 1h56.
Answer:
1h58
